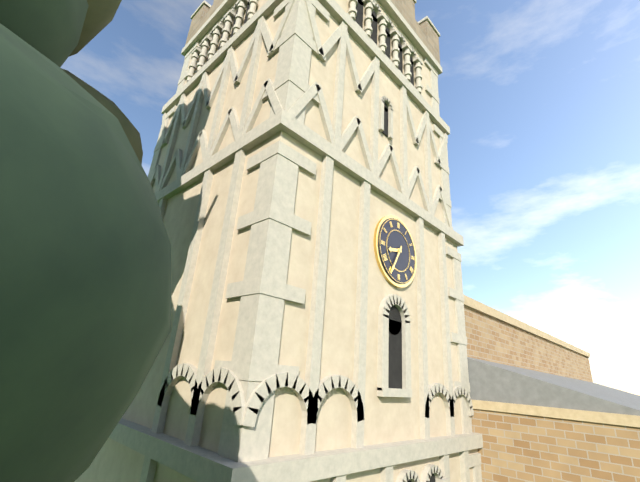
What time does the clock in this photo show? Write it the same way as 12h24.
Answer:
8h35
